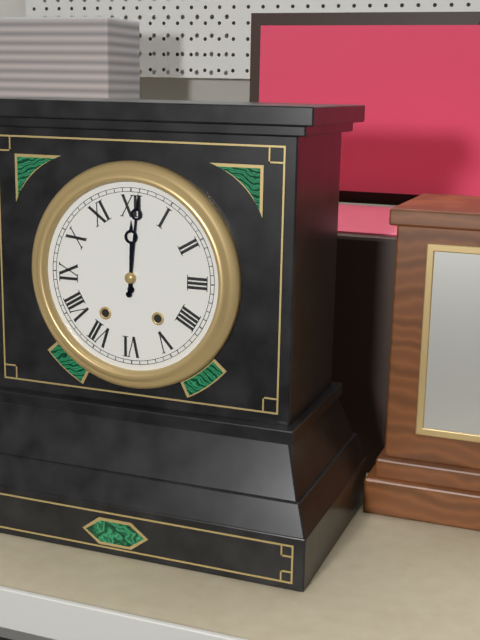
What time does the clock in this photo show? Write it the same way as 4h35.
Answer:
12h01
